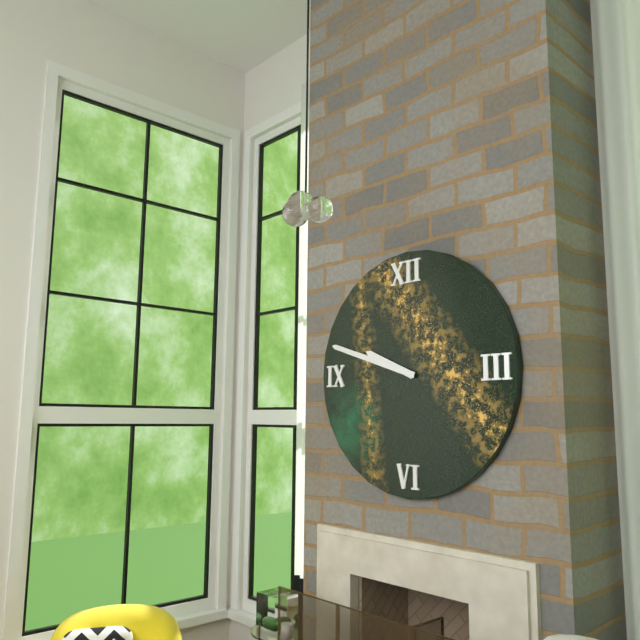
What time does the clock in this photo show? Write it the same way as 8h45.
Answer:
9h48
